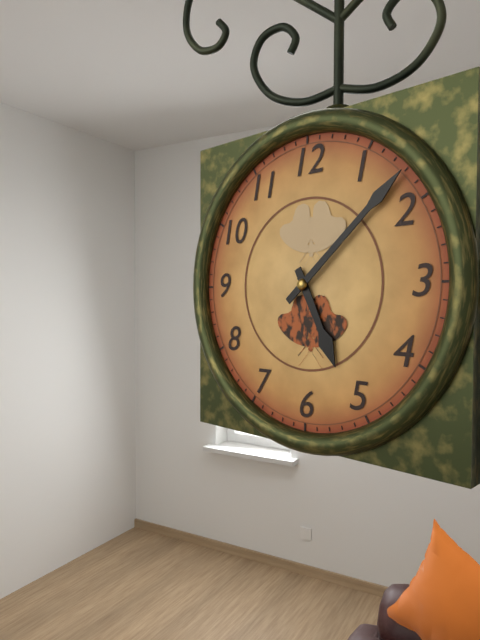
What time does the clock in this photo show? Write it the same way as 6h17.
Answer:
5h08
